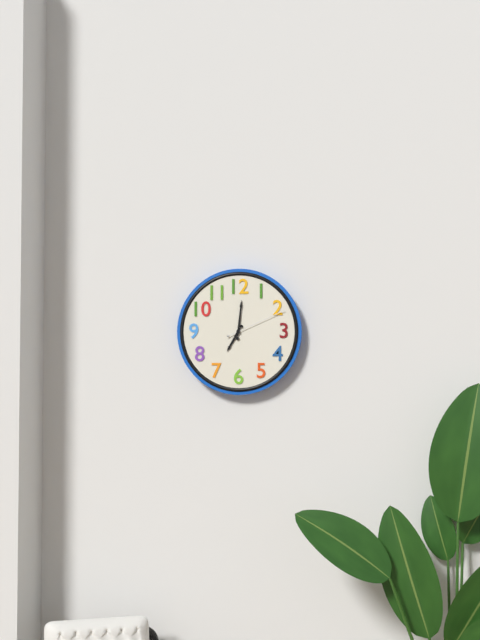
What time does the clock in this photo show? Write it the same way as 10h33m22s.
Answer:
7h01m11s
